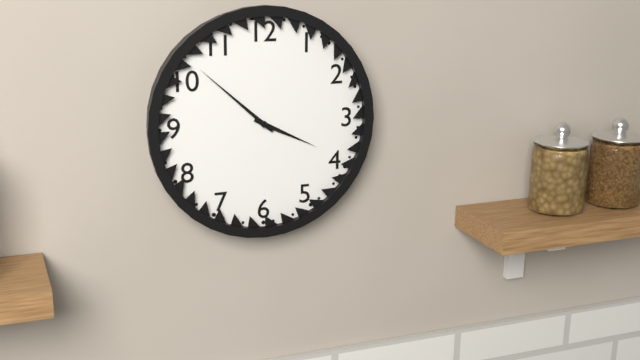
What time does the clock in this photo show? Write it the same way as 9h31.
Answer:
3h52
